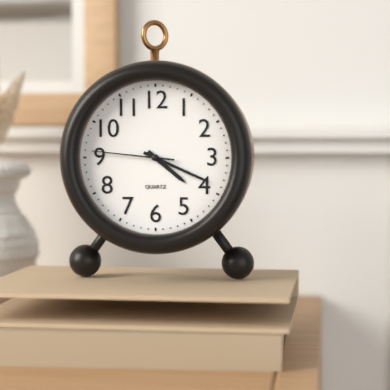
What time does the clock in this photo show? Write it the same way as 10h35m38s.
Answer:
4h19m46s
